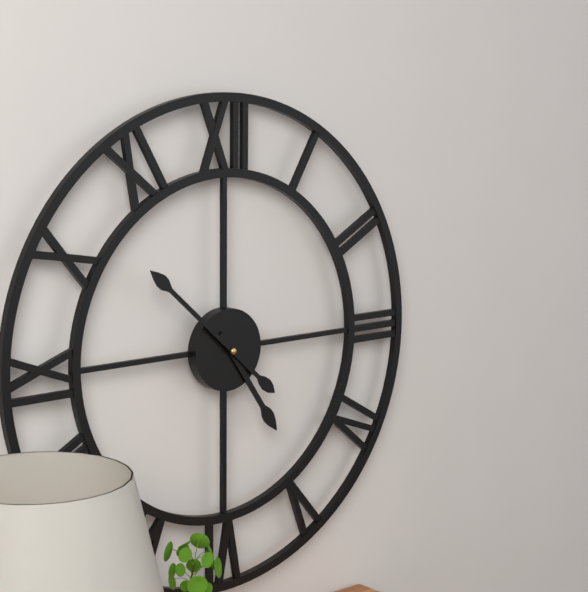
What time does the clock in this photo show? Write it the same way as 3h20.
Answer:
4h52
